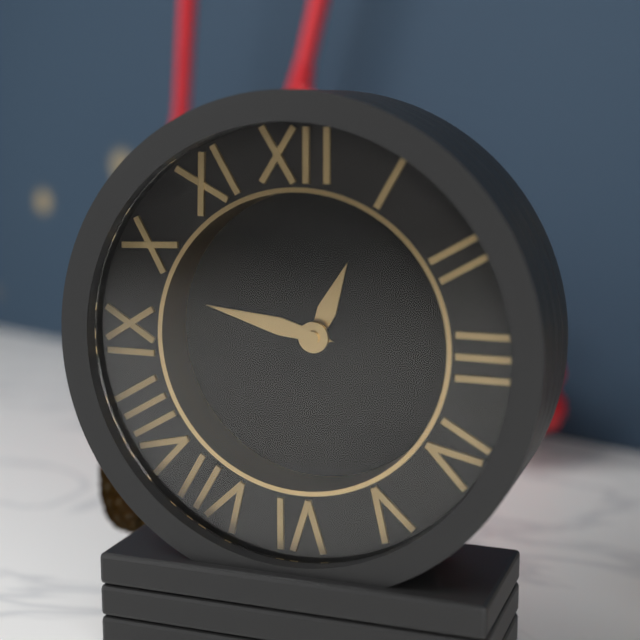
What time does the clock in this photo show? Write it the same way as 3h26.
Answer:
12h47
